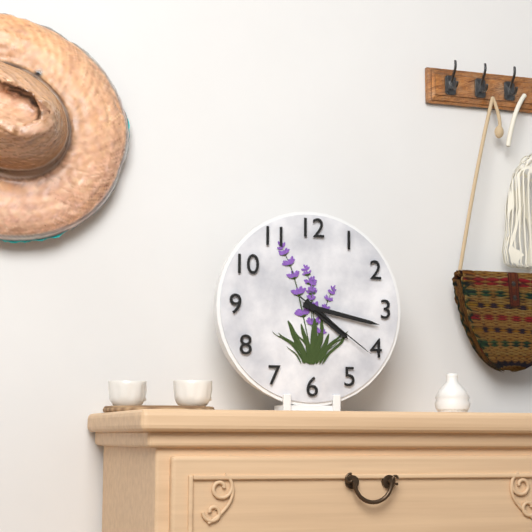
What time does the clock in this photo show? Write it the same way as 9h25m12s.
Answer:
4h17m21s
